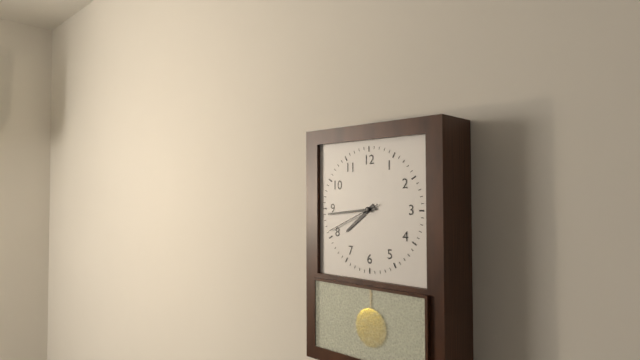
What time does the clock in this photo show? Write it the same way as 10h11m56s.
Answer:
7h44m41s
